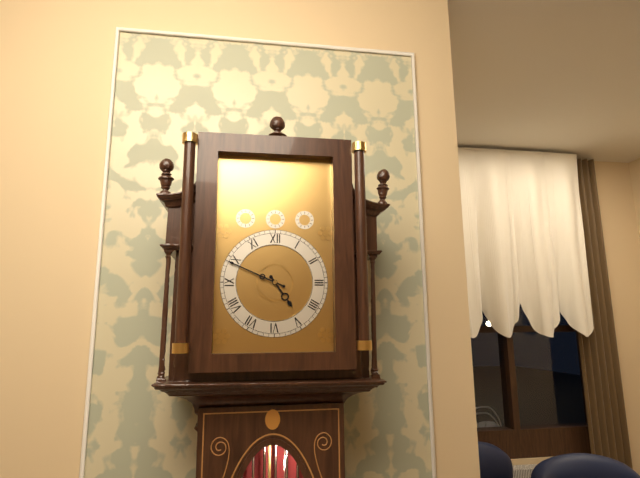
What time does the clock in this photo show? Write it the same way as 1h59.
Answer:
4h49
